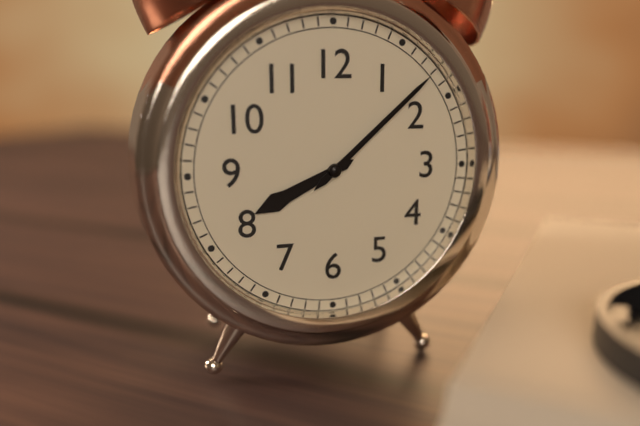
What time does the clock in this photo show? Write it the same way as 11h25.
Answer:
8h08
